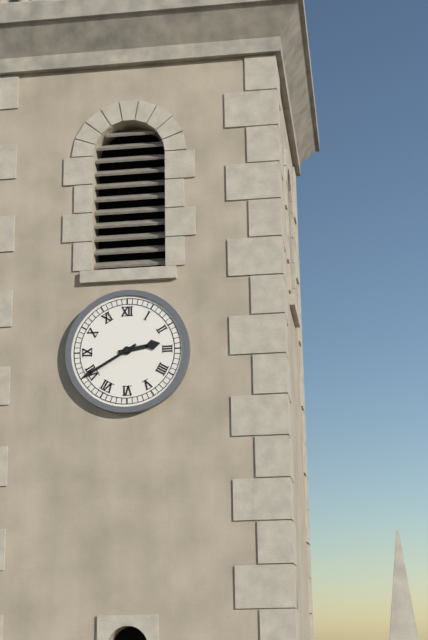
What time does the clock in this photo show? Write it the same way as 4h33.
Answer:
2h40
